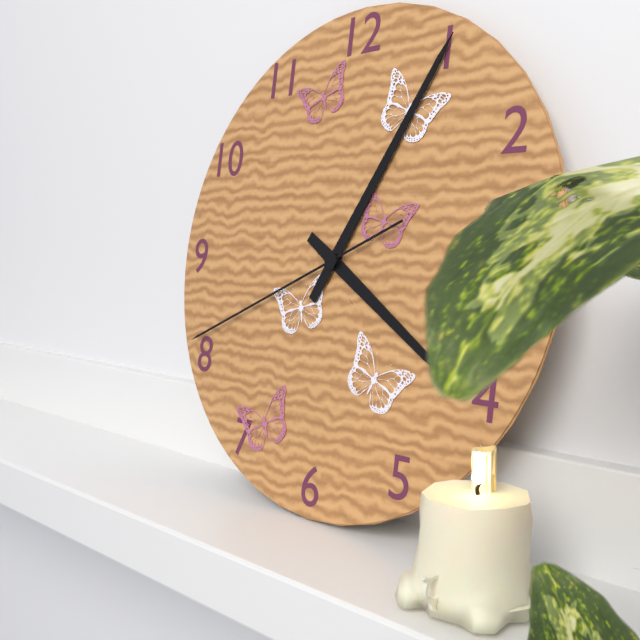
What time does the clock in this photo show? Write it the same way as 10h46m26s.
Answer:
4h05m41s
